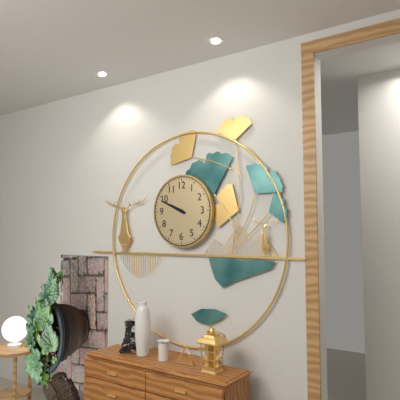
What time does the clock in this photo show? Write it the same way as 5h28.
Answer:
9h49
